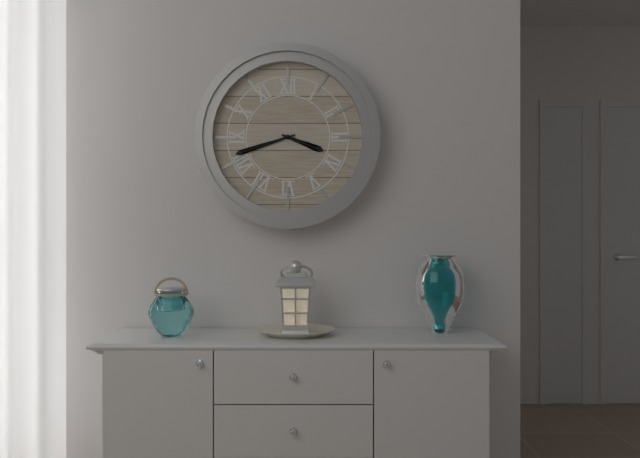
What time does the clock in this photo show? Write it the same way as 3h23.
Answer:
3h42
